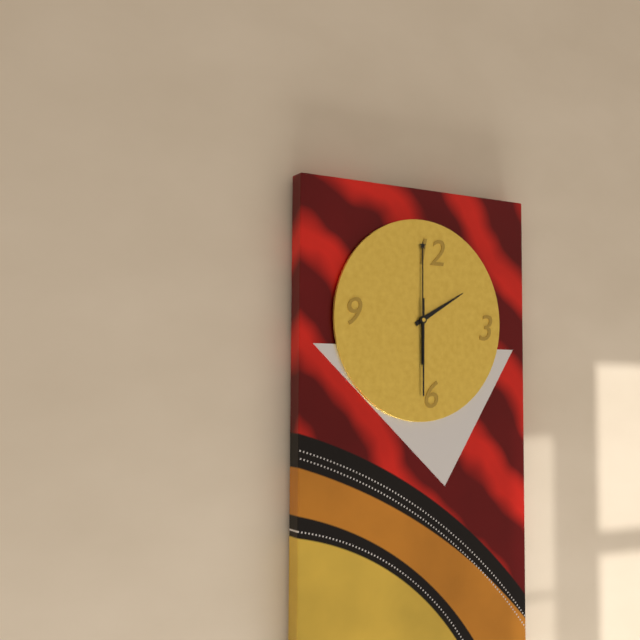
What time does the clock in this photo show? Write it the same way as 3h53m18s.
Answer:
2h00m30s
